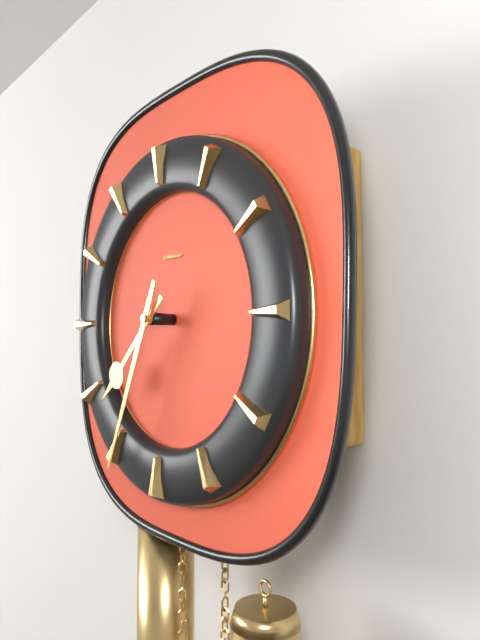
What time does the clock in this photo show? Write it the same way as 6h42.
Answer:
7h34
